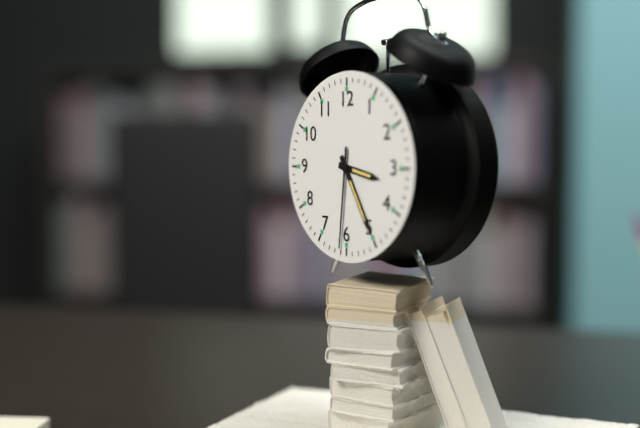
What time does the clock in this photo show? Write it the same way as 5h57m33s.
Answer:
3h25m31s
